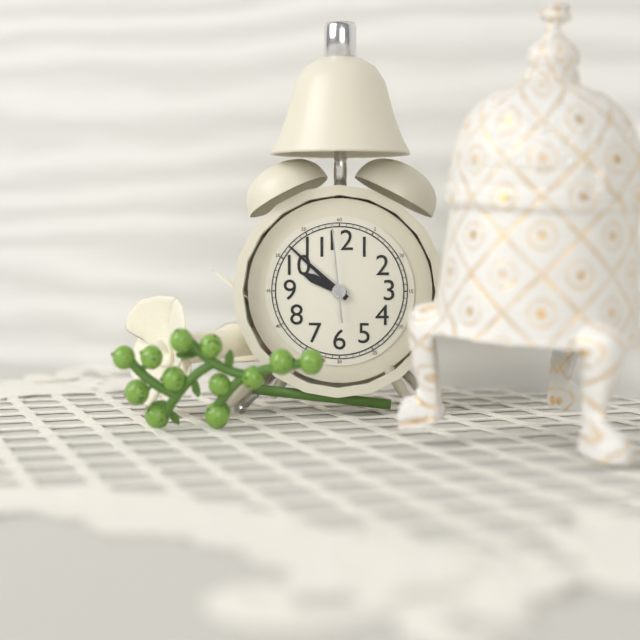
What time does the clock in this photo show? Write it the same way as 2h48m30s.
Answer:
9h52m59s
